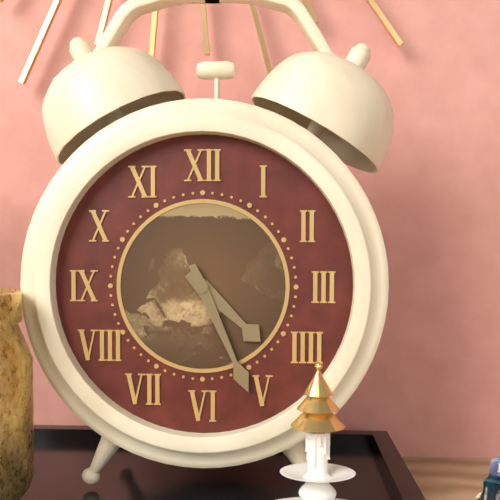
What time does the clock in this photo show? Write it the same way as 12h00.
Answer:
4h26
